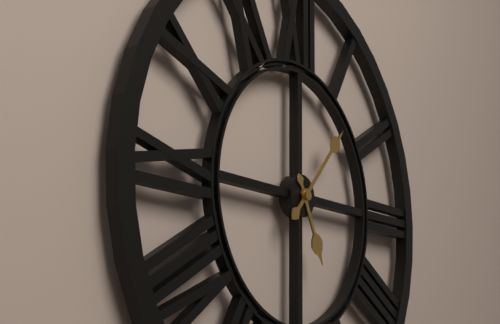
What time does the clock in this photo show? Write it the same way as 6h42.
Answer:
5h07
